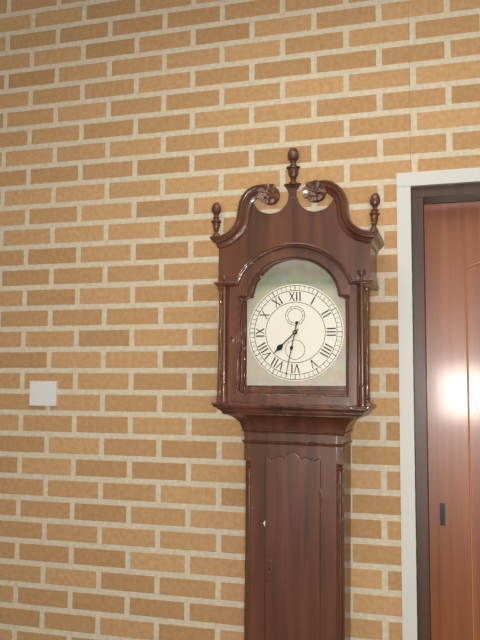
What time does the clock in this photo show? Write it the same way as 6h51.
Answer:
7h32
